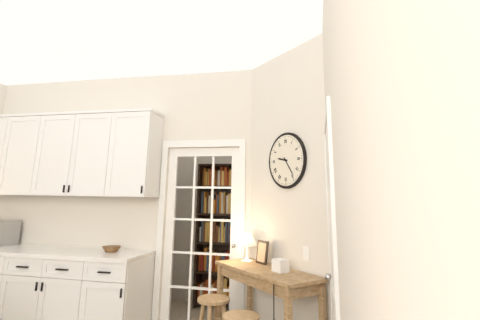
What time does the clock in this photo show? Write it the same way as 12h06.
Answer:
9h24
